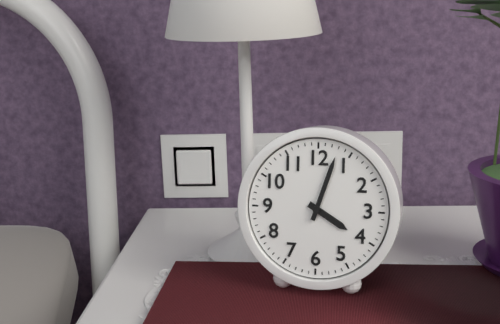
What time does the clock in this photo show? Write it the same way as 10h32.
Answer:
4h03
